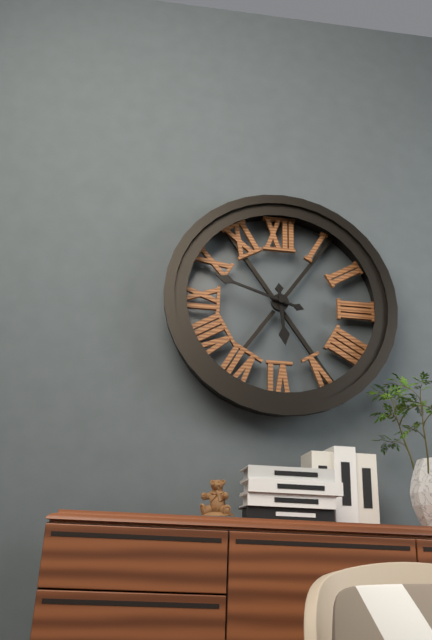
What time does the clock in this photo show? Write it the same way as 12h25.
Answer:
5h48
